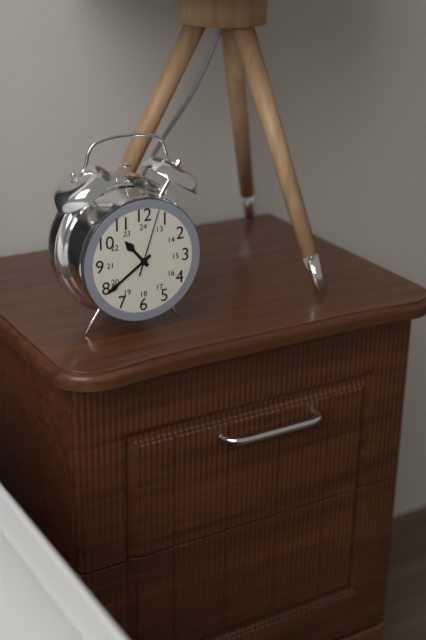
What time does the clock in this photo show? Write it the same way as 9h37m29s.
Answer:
10h39m03s
